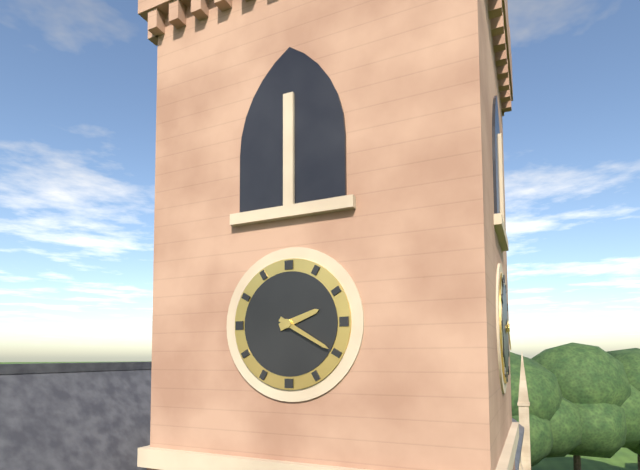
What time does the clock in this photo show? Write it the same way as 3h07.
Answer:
2h20
